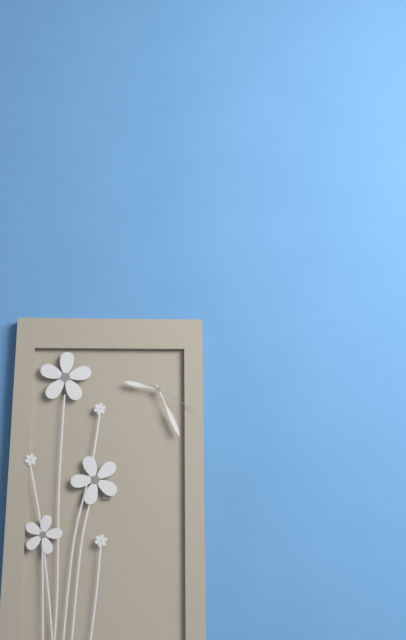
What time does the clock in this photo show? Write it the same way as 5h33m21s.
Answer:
9h26m20s
